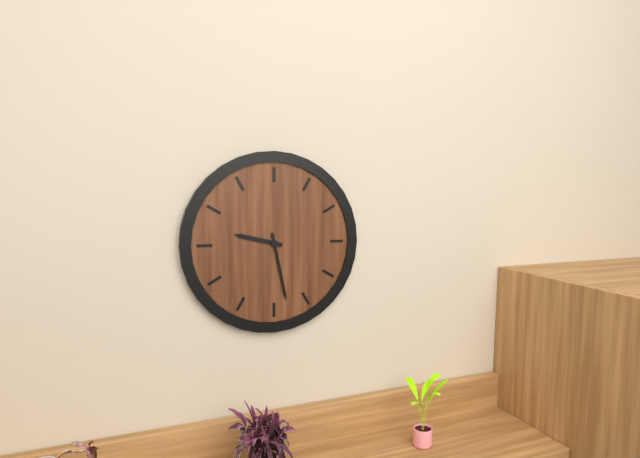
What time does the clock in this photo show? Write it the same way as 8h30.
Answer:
9h28
